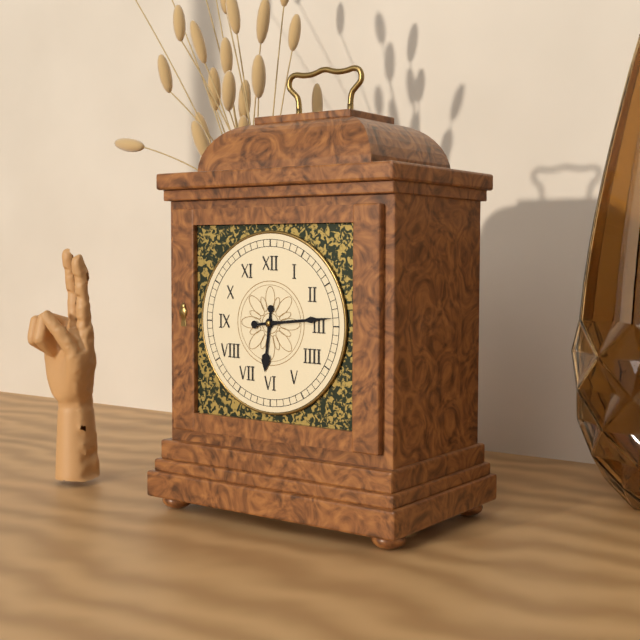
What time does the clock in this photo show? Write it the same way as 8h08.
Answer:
6h14
